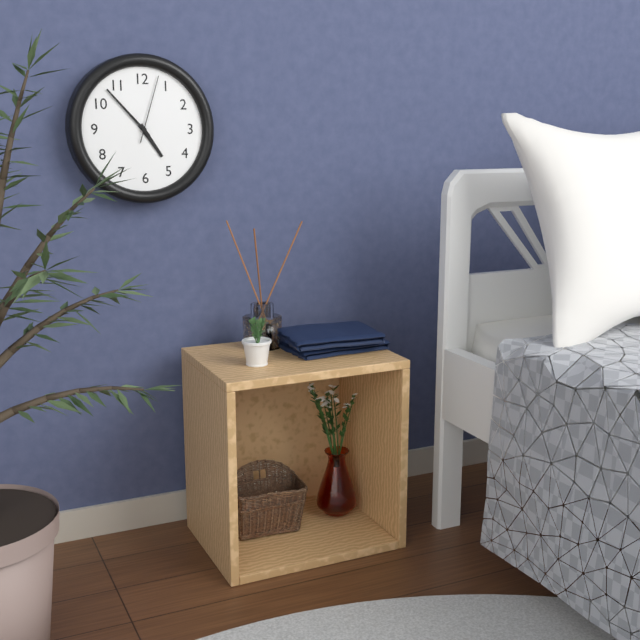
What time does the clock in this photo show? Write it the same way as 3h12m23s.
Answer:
4h53m03s
